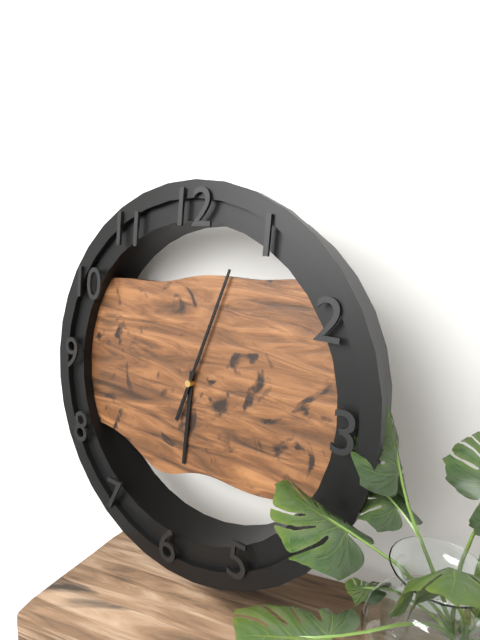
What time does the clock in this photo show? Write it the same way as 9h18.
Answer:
6h03
